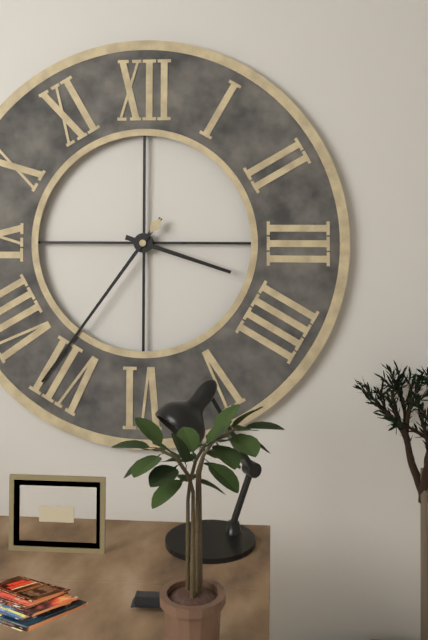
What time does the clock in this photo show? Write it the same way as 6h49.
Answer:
3h36
